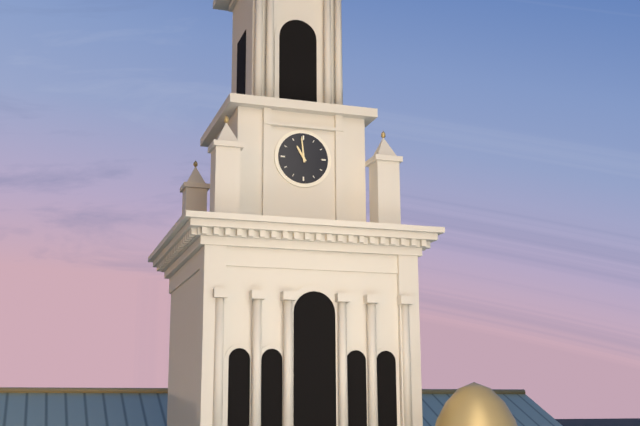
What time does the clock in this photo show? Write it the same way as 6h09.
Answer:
10h59
